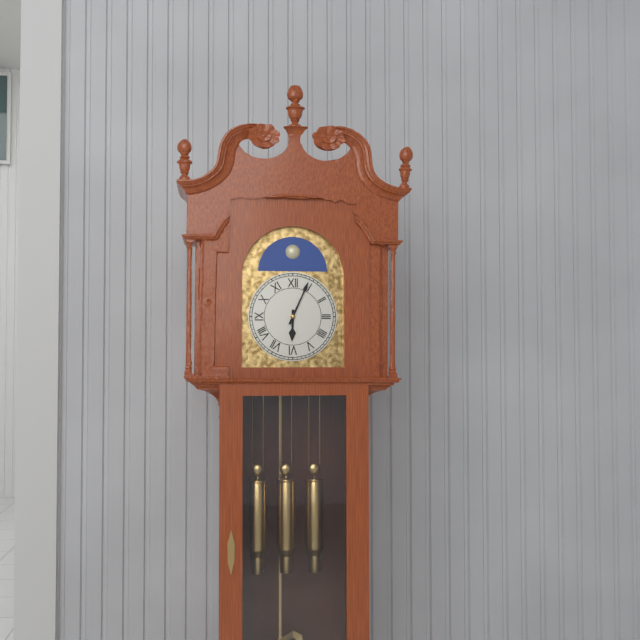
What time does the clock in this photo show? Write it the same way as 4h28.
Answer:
6h04
